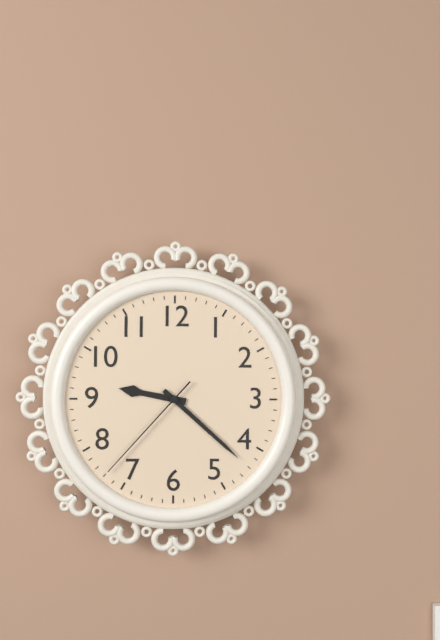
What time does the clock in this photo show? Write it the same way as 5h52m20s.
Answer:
9h22m37s
